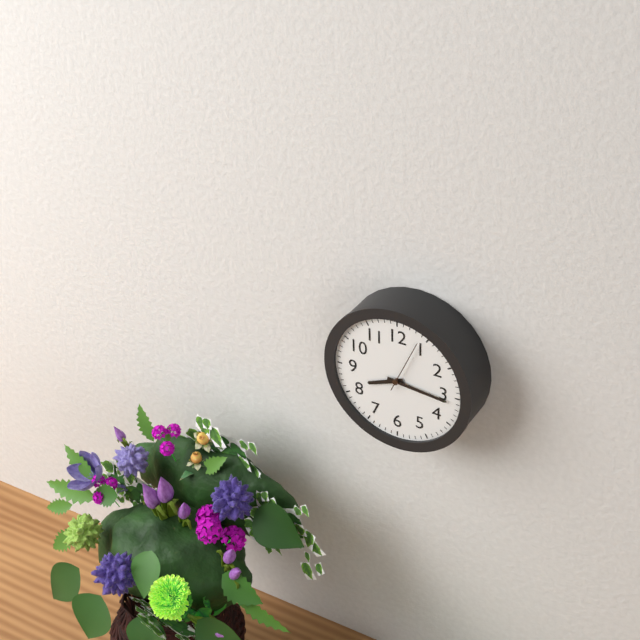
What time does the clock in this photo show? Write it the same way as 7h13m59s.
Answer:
8h16m04s
